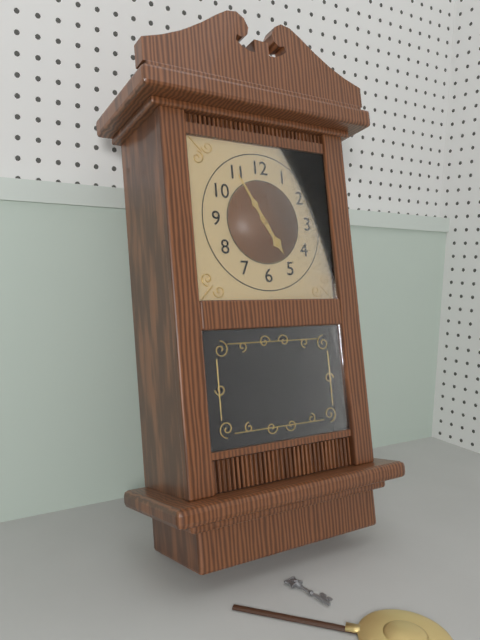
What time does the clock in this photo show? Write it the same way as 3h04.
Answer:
4h55
